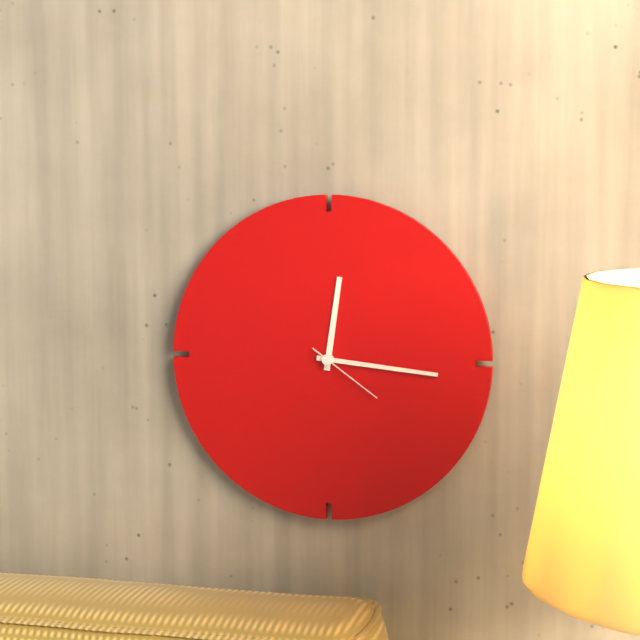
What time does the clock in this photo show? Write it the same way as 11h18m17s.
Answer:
12h16m21s
